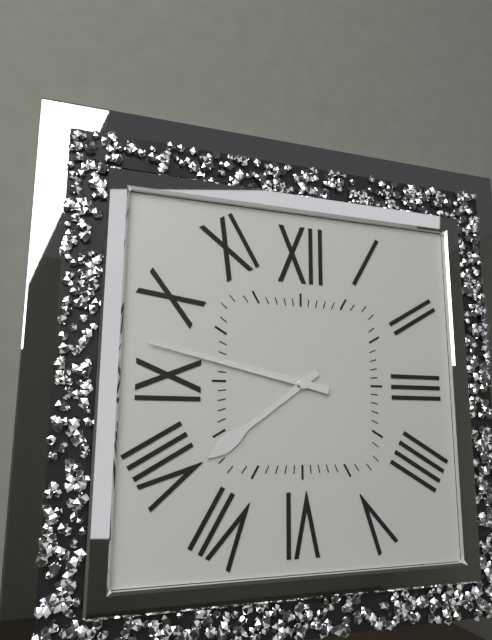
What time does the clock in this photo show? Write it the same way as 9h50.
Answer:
7h47
